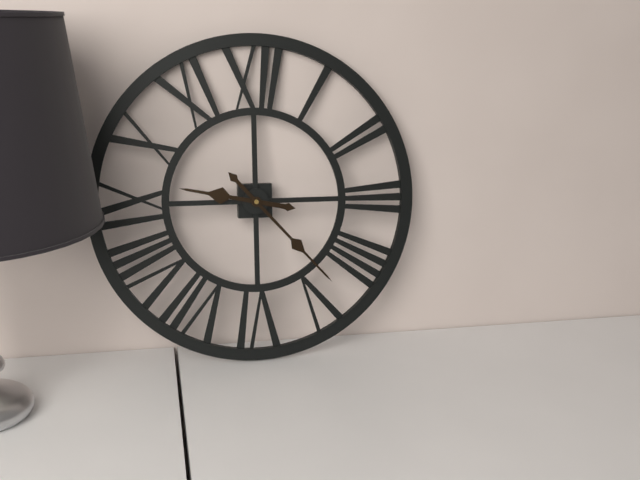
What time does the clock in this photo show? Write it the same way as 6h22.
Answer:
9h23
